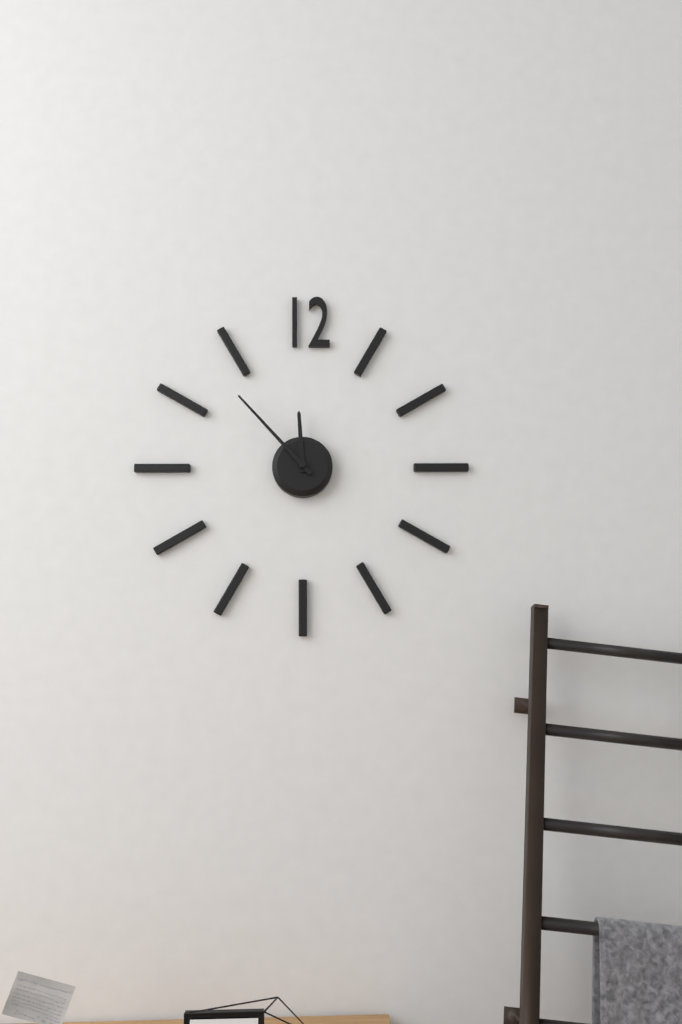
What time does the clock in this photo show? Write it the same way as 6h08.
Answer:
11h53
